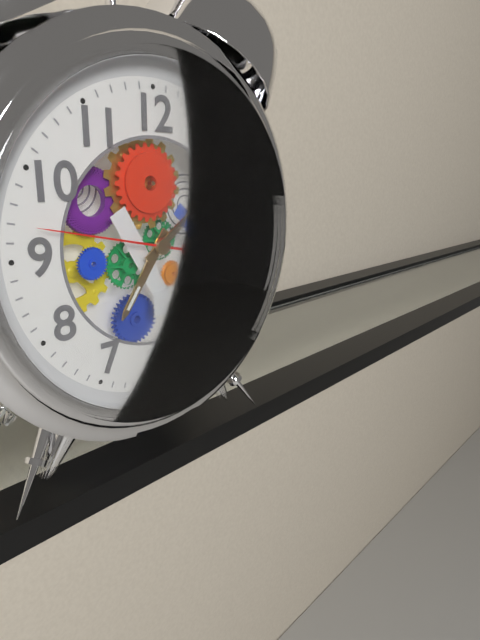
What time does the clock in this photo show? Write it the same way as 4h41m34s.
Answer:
7h09m47s
